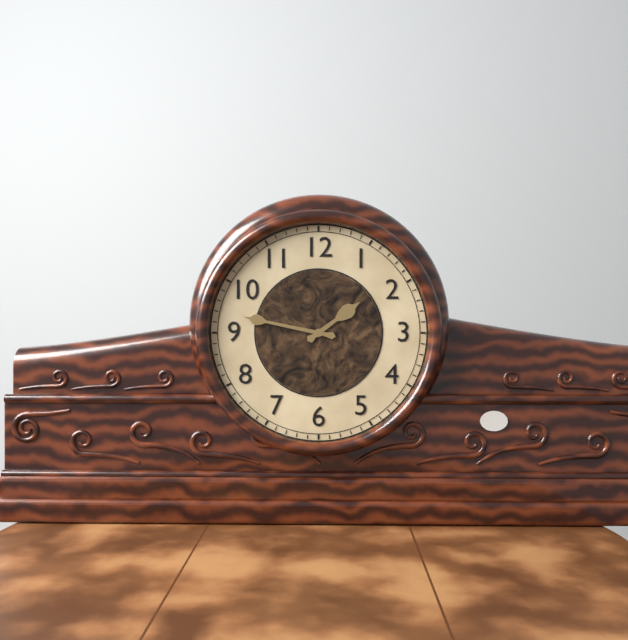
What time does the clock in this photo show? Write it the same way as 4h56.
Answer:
1h47
